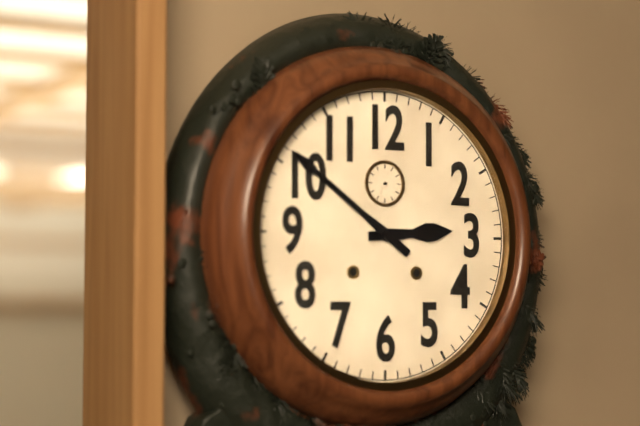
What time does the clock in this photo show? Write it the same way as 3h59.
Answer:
2h51
